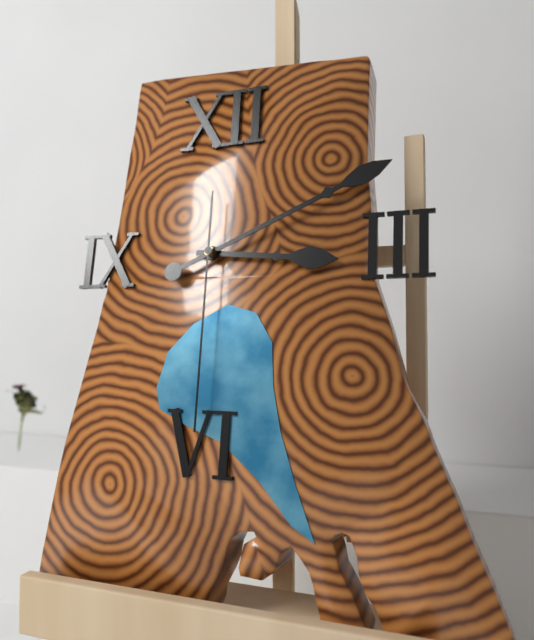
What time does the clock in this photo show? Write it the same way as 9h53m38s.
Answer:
3h11m30s
